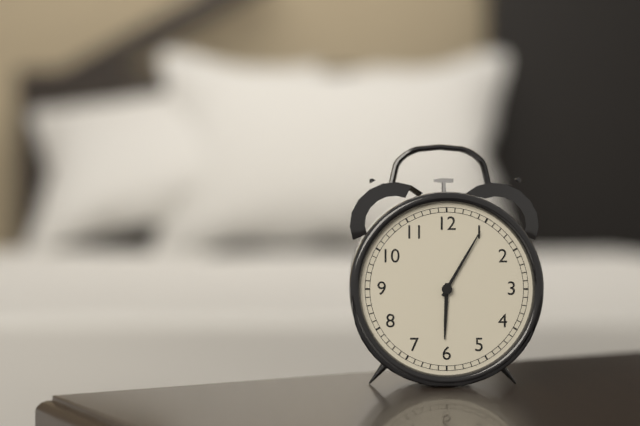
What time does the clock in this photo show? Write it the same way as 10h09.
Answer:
6h05
